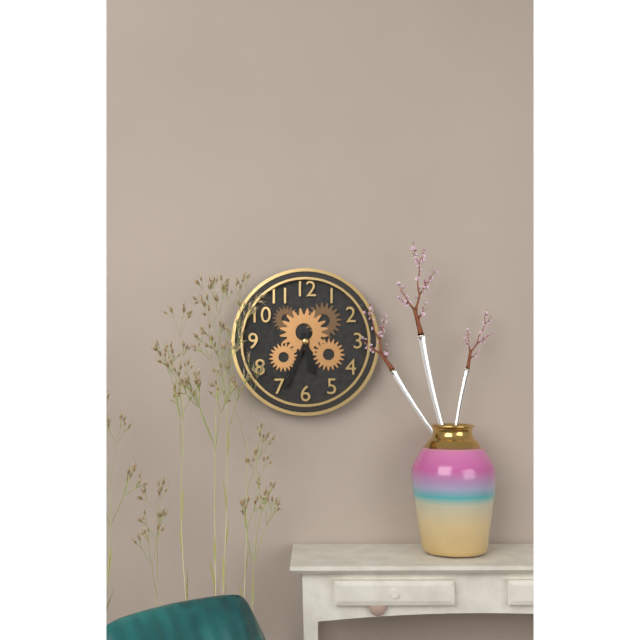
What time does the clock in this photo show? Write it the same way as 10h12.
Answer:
5h34
